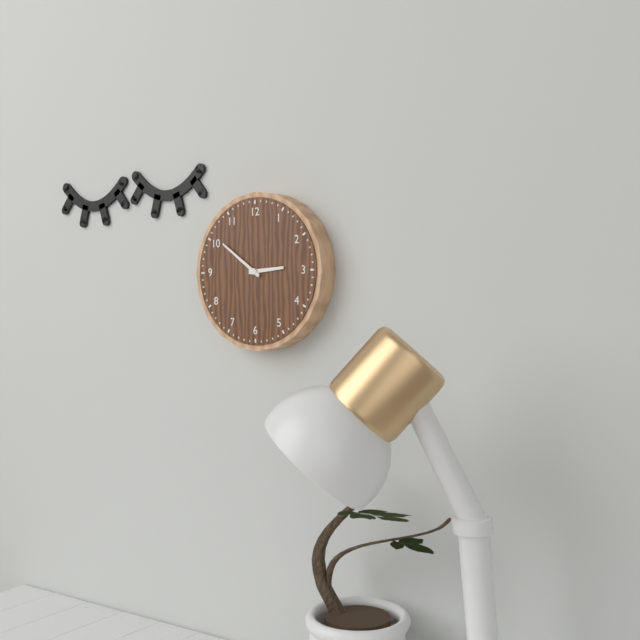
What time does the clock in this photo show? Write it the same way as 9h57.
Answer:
2h51
